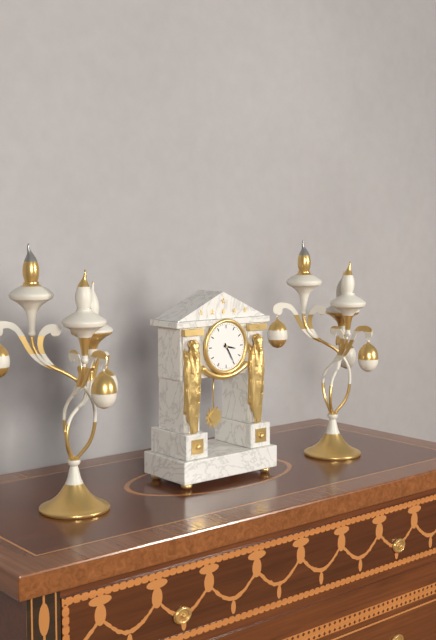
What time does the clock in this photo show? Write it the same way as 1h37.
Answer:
3h25
